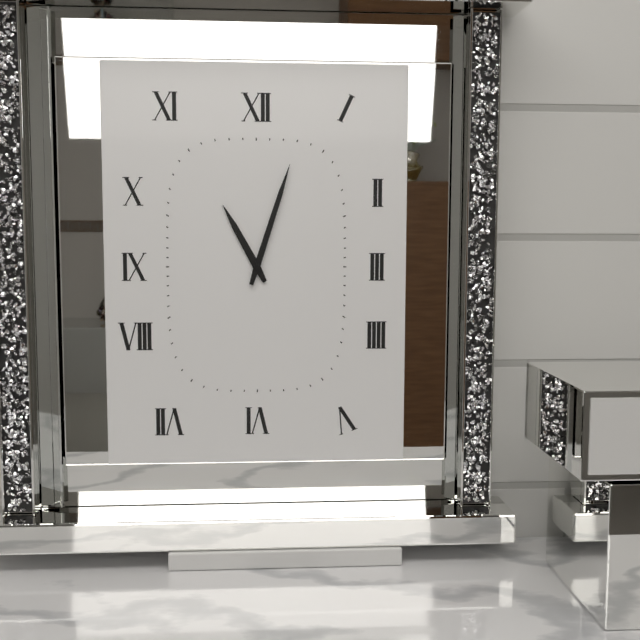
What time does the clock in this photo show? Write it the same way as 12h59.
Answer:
11h03
